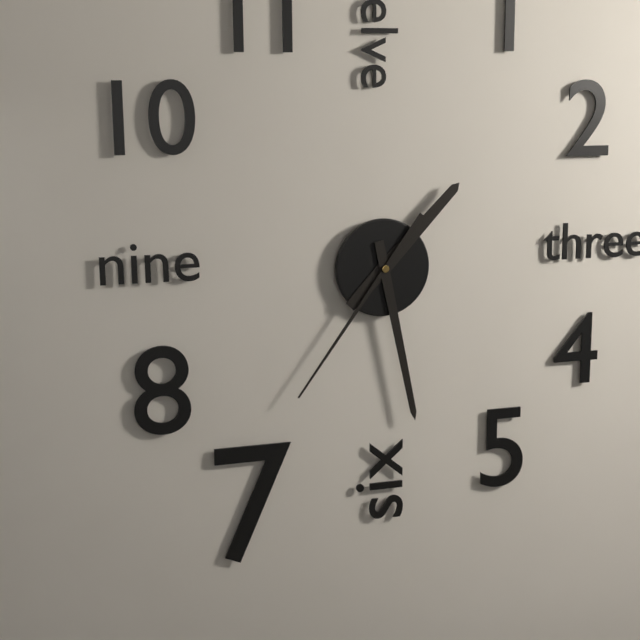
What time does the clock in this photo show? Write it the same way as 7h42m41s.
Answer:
1h28m36s
